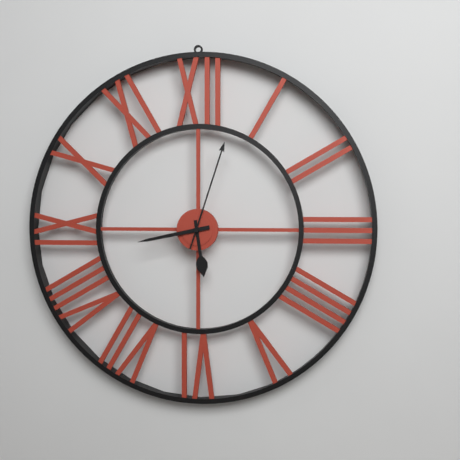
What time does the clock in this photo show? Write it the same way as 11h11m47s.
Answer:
5h43m03s
